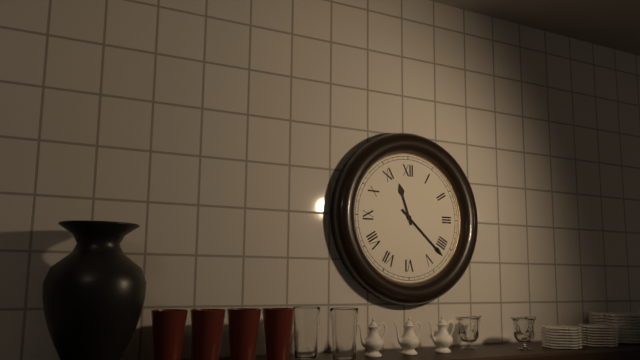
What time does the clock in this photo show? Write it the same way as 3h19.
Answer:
11h22
